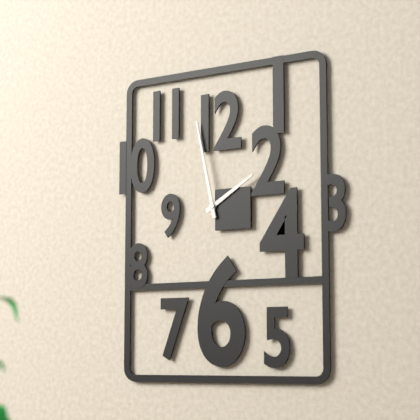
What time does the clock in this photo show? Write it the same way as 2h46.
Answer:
1h58
